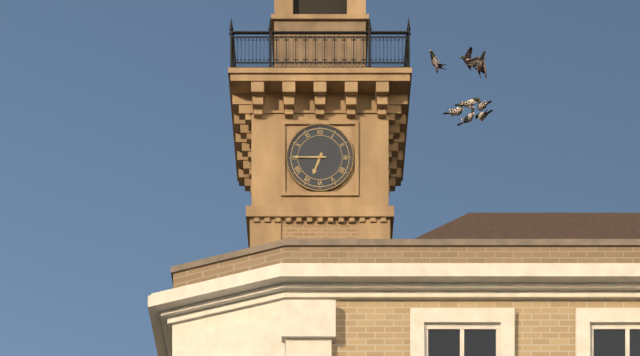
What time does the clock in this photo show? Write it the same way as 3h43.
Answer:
6h45
